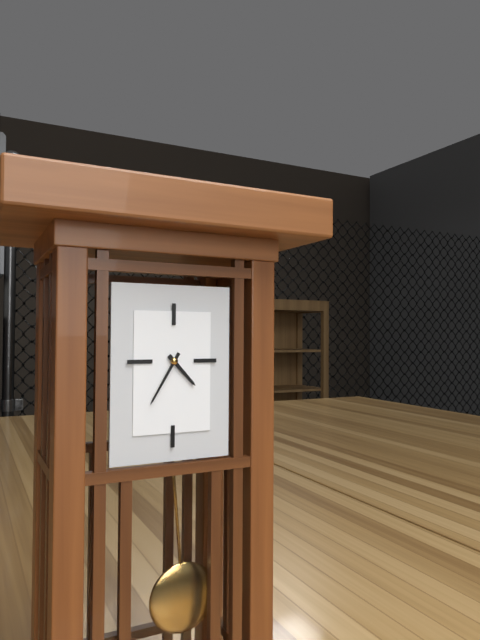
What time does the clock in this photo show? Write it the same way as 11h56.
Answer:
4h35
